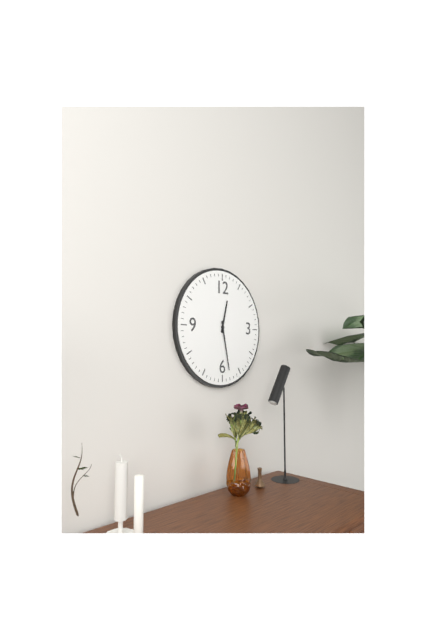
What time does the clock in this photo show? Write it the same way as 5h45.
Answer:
12h28
